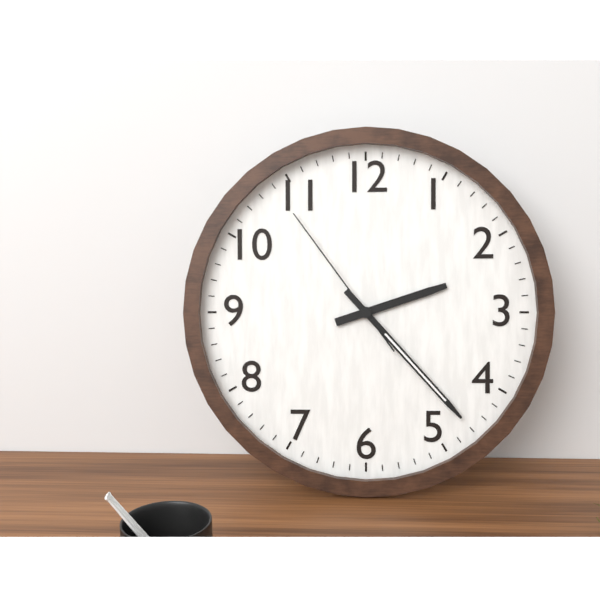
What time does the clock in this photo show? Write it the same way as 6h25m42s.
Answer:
2h23m54s
